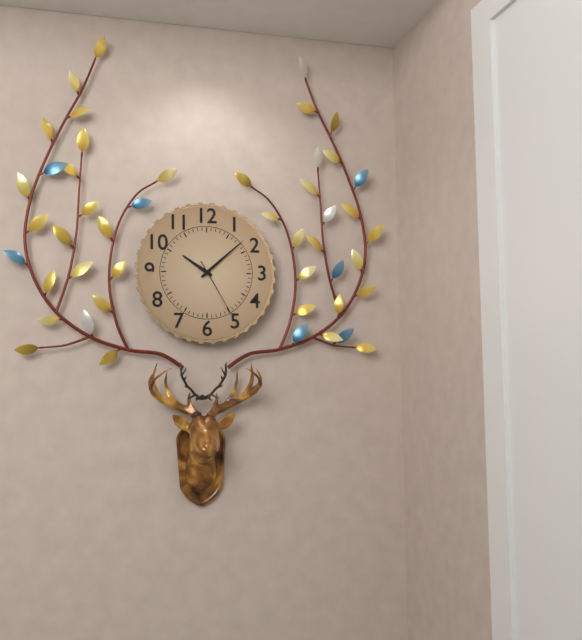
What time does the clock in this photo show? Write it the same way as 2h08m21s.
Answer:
10h08m25s
